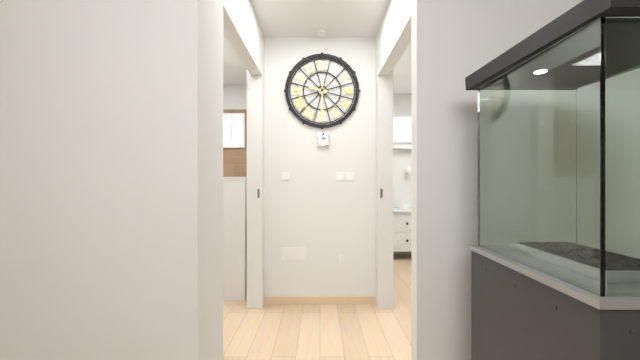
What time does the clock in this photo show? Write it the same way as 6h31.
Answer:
9h30
